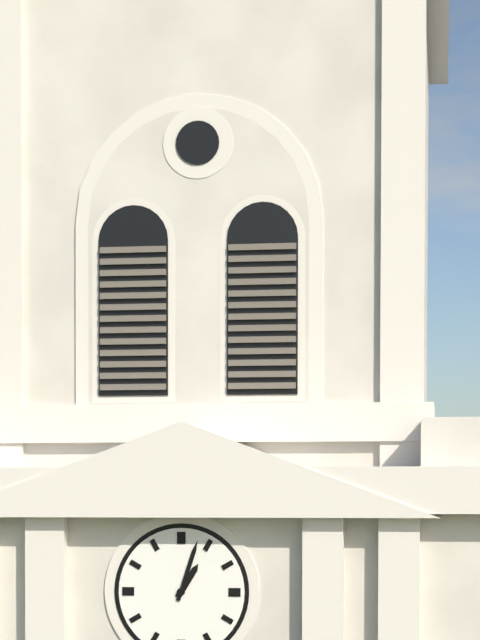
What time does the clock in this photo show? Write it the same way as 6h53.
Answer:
1h03
